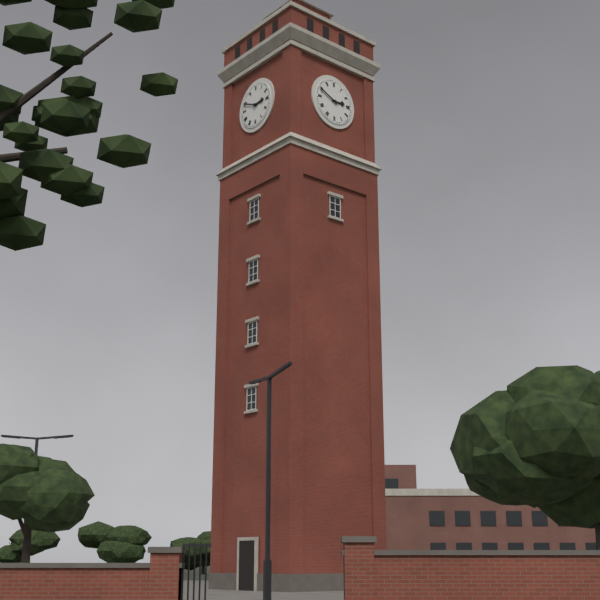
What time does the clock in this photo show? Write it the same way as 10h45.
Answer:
2h49
